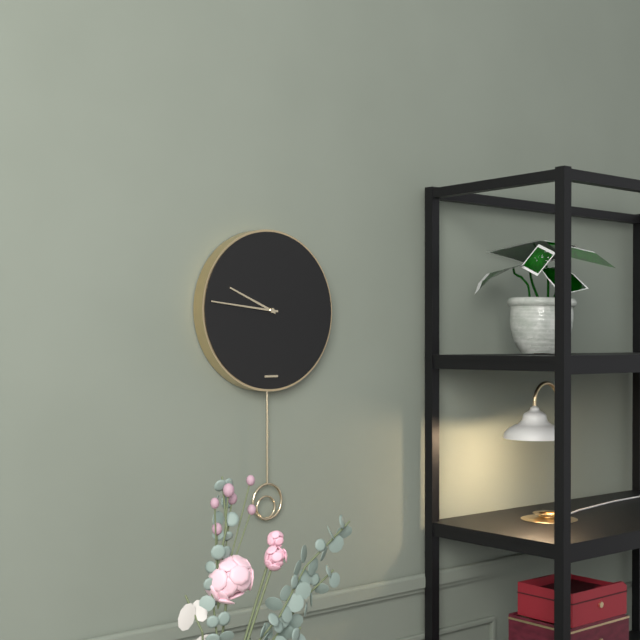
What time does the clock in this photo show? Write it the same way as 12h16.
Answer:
9h46
